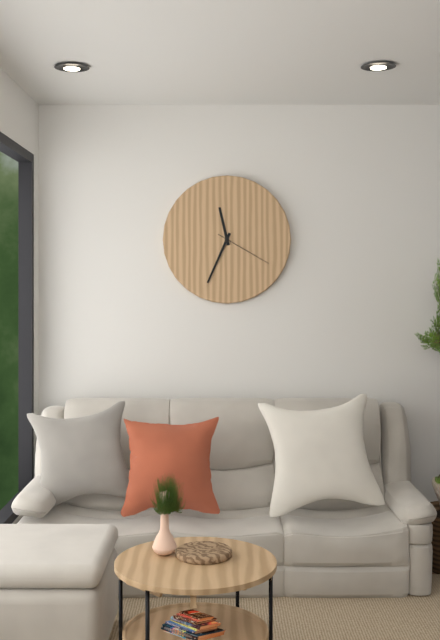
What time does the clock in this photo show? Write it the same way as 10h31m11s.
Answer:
11h34m20s
